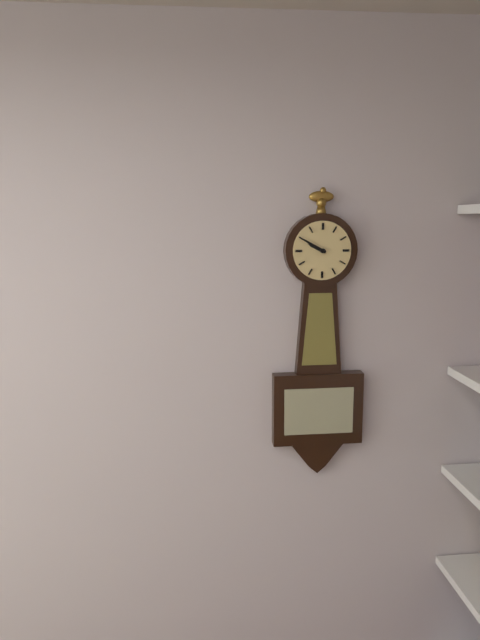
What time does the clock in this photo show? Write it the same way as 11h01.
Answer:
9h50
